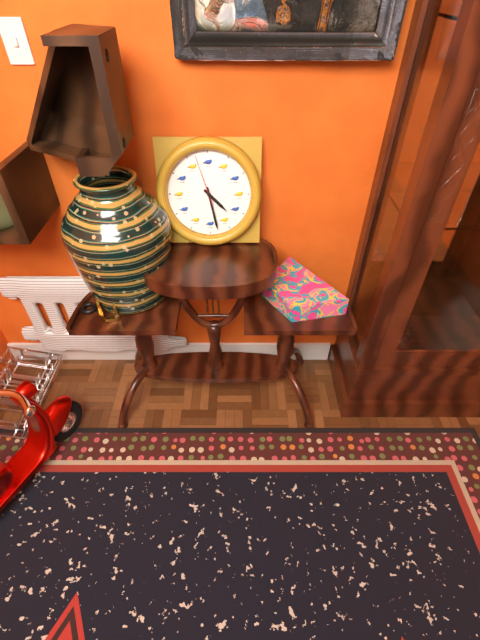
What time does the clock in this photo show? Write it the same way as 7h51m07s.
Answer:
4h28m57s
